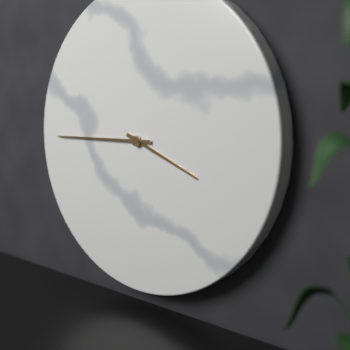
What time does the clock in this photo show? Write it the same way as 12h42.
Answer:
3h45
